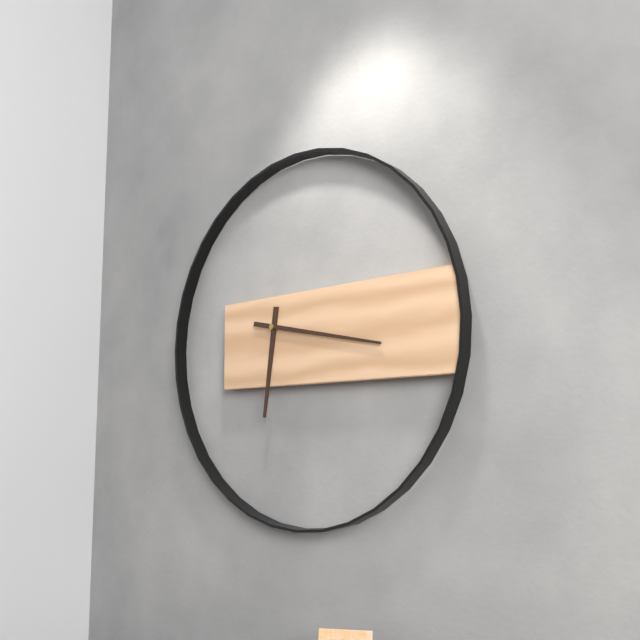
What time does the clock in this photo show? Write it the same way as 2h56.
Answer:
6h17
